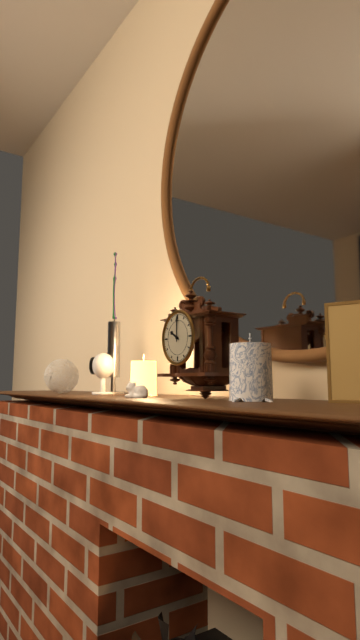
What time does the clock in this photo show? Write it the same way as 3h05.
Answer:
10h00
